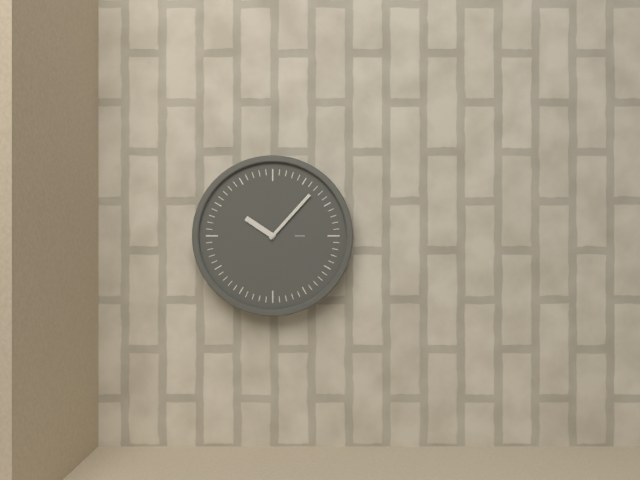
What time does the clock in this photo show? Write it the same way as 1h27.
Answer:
10h07
